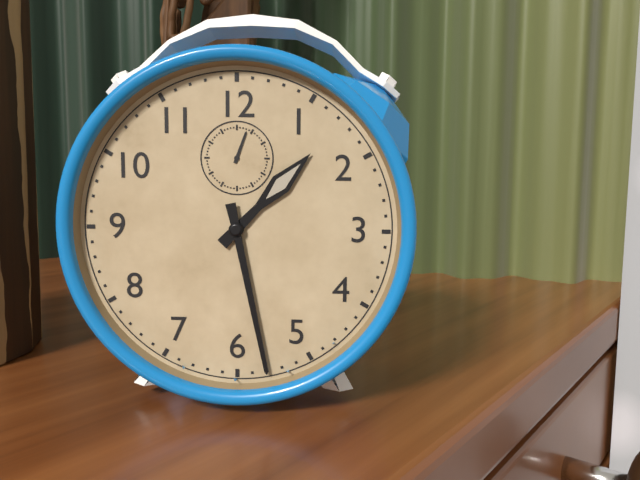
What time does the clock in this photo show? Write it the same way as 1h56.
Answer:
1h28
